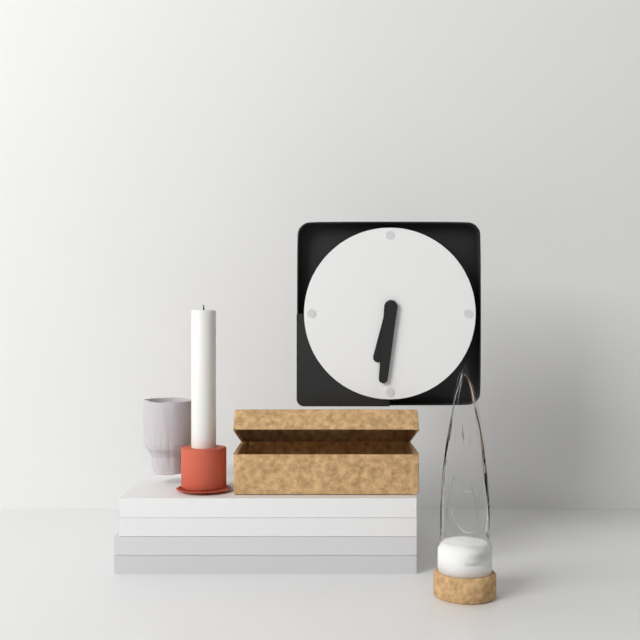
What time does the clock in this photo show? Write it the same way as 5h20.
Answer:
6h31
